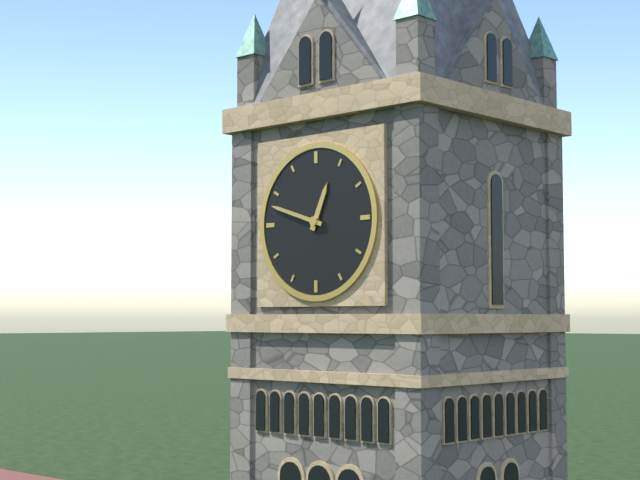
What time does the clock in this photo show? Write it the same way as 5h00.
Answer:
12h48
